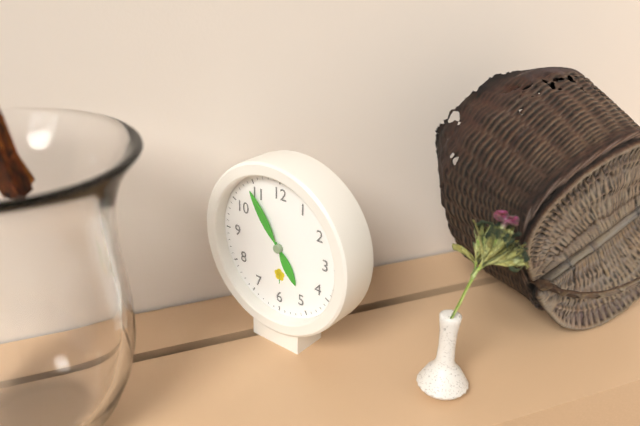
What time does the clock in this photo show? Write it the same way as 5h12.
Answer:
4h54
